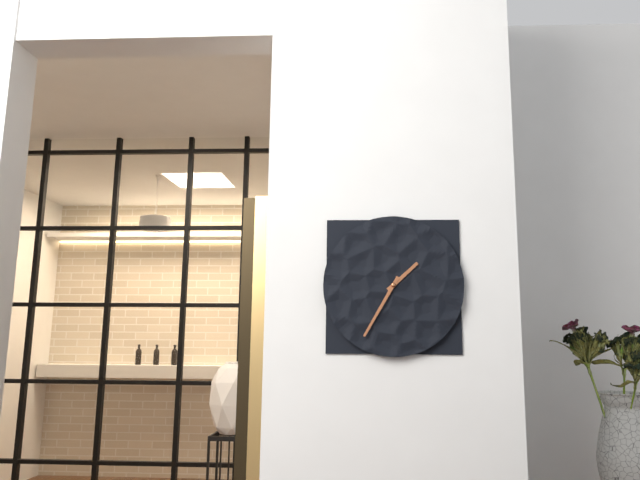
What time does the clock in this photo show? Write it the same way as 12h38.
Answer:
1h35
